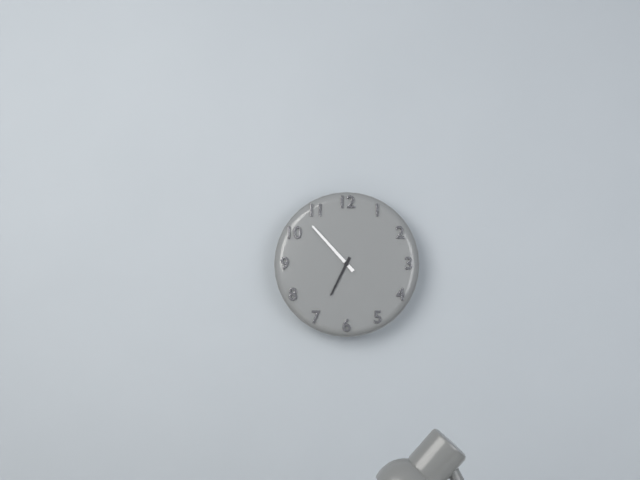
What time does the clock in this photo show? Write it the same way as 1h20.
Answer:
6h53
